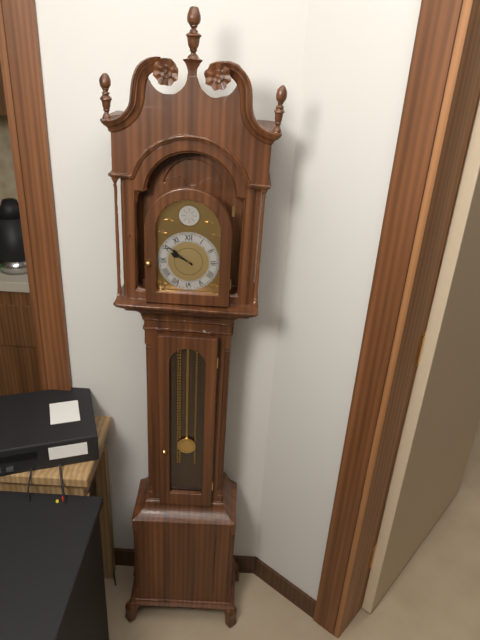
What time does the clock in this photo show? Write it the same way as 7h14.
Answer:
9h51
